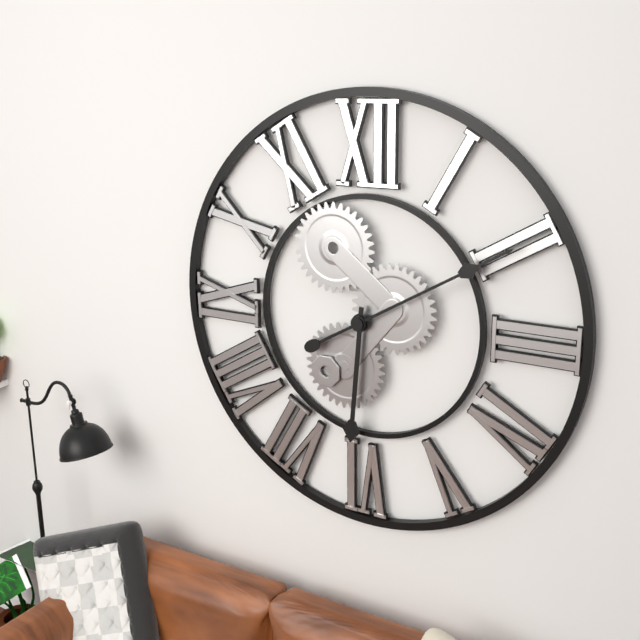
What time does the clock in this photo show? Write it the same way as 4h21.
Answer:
6h10
